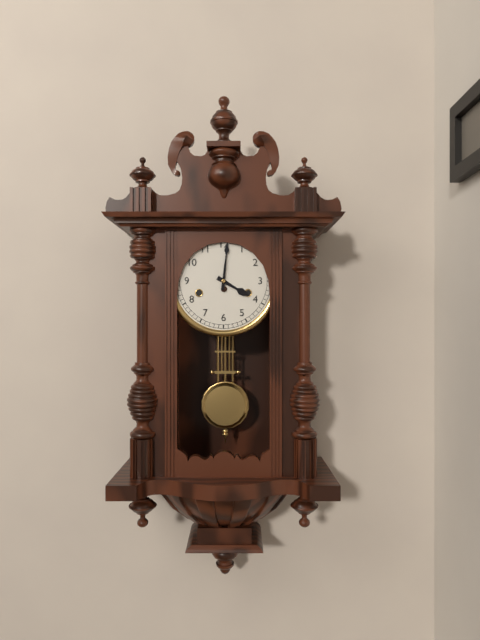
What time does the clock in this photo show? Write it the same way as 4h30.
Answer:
4h01
